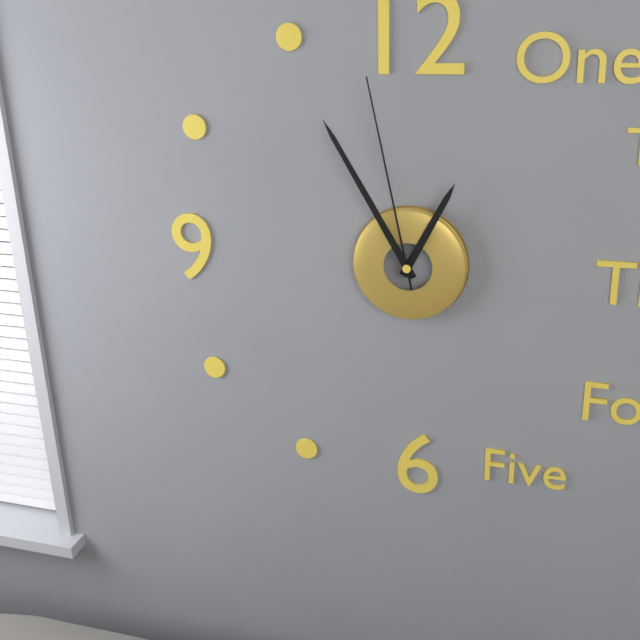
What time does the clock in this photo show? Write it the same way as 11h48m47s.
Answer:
12h55m58s
